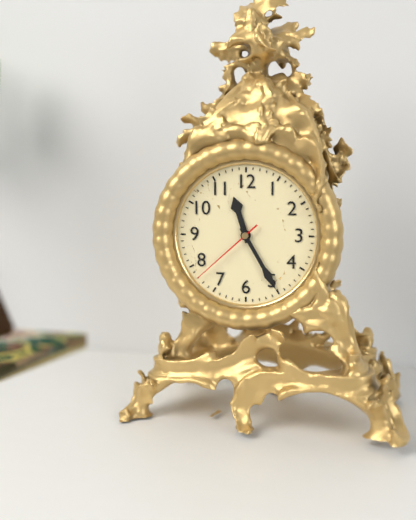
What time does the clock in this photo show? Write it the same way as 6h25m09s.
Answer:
11h25m38s
